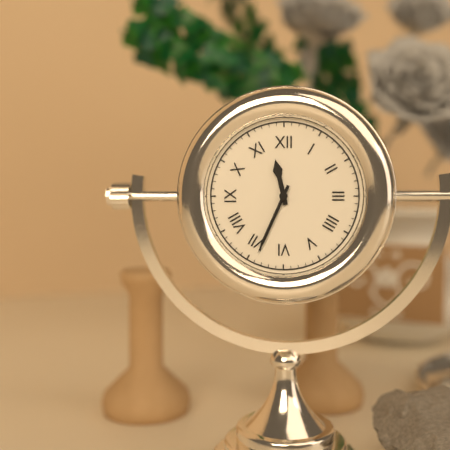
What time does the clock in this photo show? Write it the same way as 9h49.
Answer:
11h34
